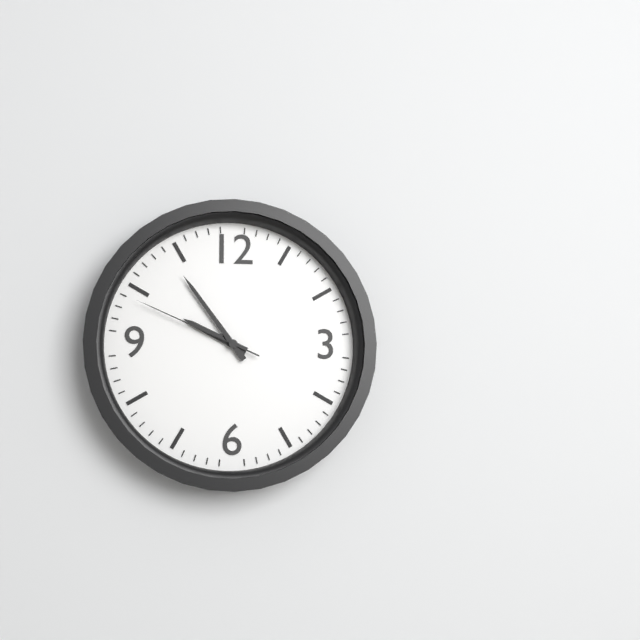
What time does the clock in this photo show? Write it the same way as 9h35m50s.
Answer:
9h54m49s
